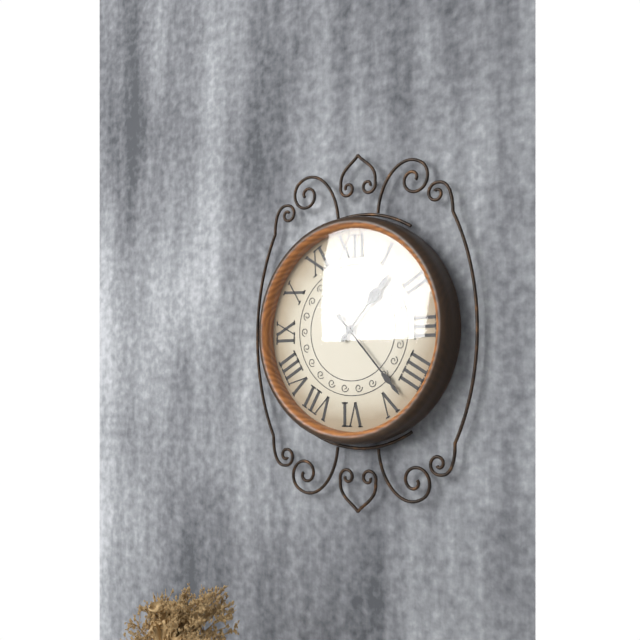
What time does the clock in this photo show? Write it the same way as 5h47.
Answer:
1h23
